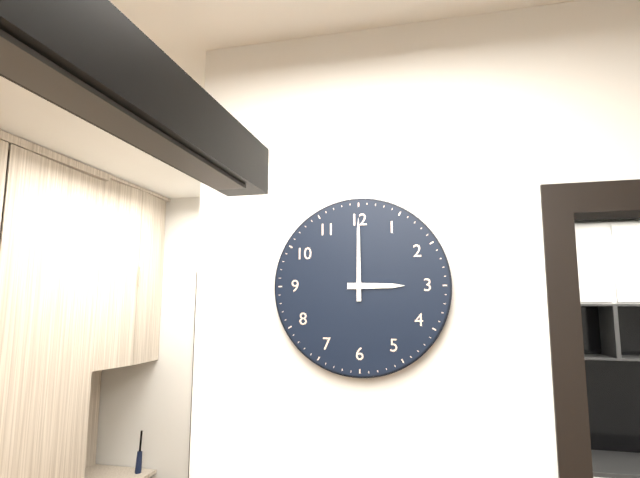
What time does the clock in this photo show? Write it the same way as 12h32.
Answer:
3h00
